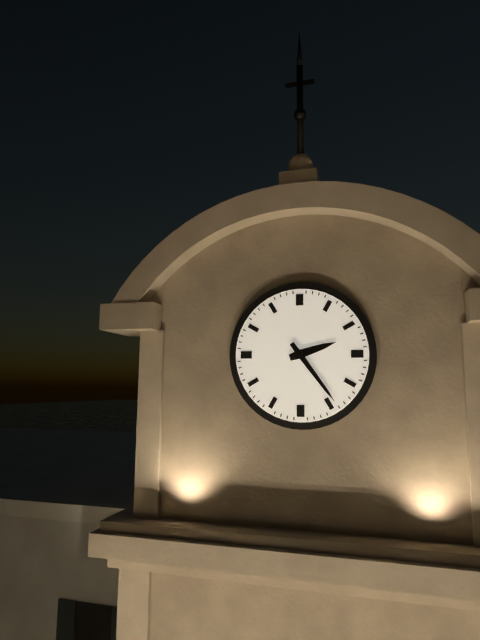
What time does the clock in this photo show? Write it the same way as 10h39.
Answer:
2h24
